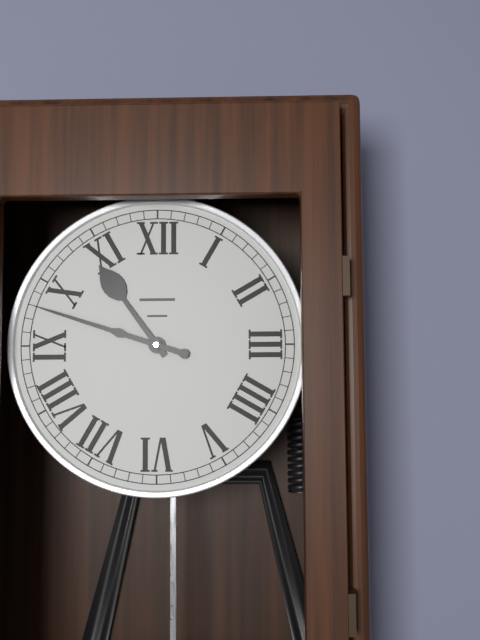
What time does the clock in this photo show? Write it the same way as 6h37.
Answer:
10h48
